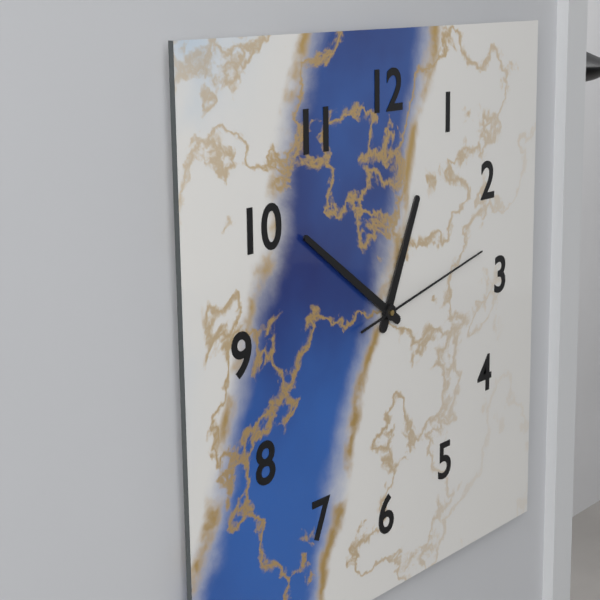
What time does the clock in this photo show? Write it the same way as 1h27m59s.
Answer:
12h51m13s
